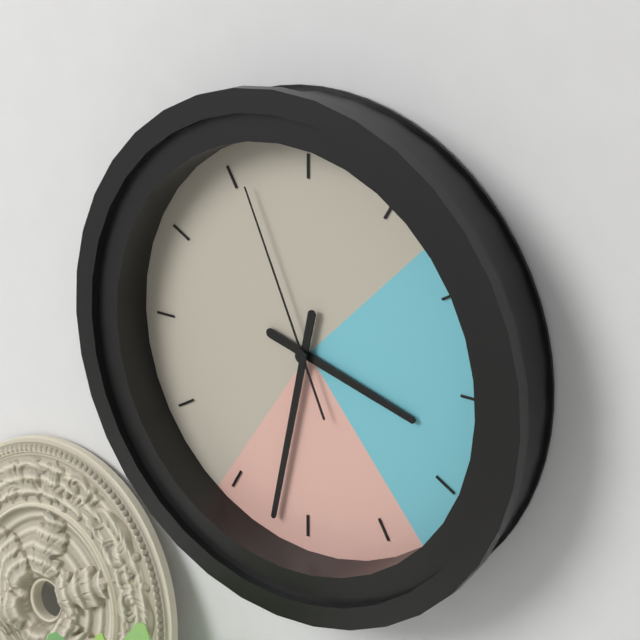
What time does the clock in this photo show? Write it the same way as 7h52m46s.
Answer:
3h32m56s
